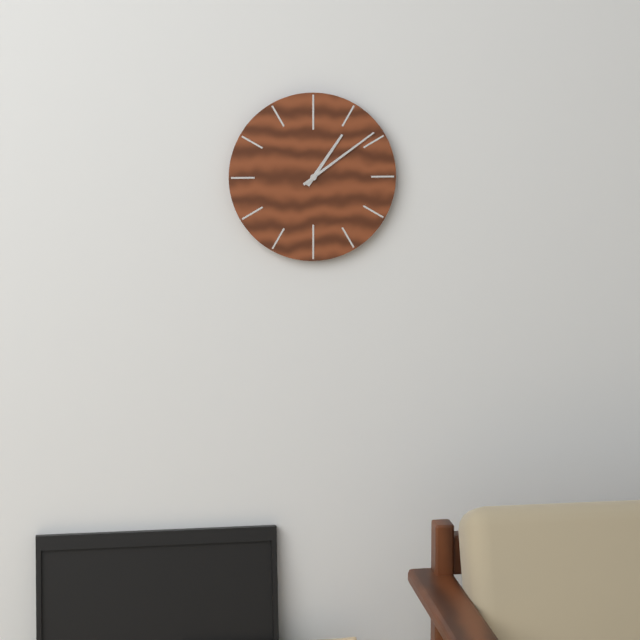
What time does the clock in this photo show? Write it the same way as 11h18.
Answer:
1h09
